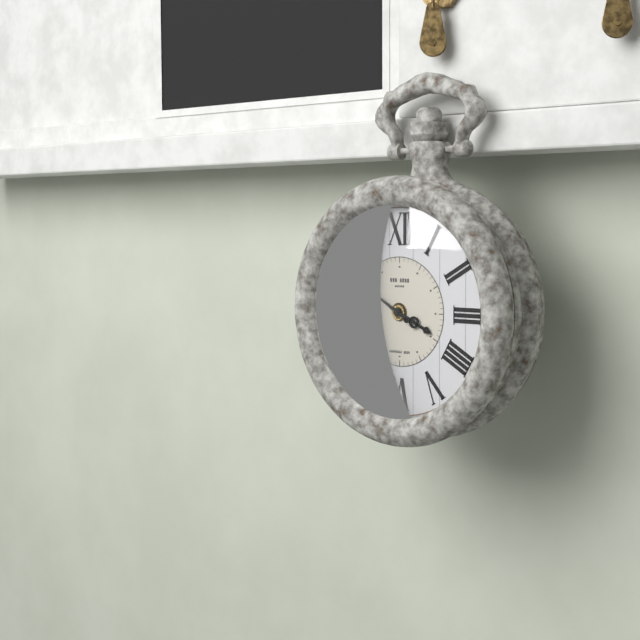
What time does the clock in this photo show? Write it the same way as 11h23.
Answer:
3h50
